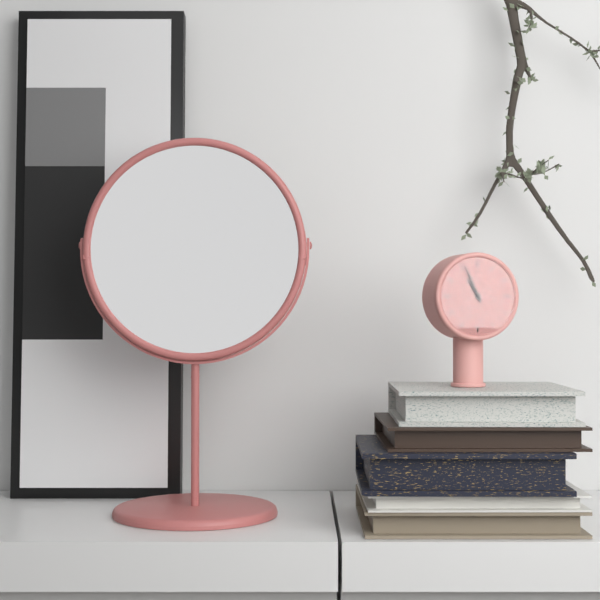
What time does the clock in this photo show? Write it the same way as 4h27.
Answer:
10h56
